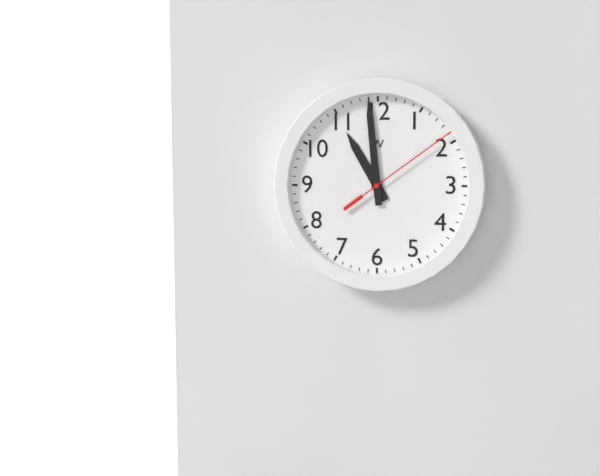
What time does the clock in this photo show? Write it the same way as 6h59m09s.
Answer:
10h59m09s
